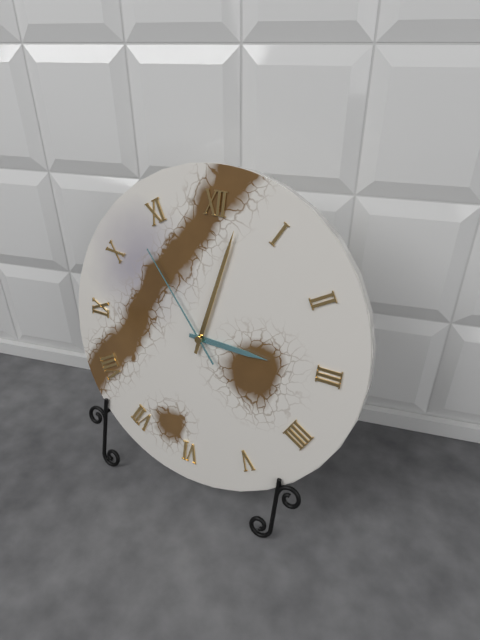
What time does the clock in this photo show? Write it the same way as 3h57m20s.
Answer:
3h02m53s
